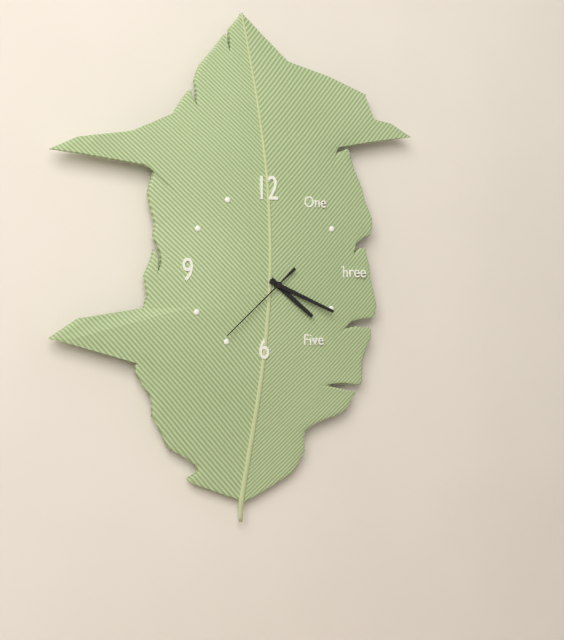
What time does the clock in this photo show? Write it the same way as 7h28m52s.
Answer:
4h19m38s
